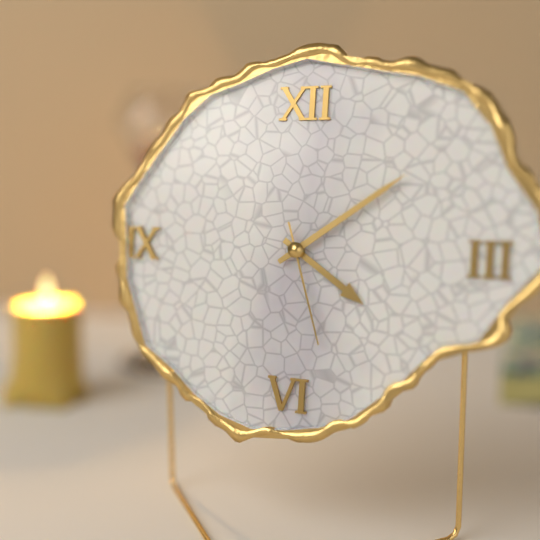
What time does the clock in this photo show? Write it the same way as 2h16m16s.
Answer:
4h09m27s
